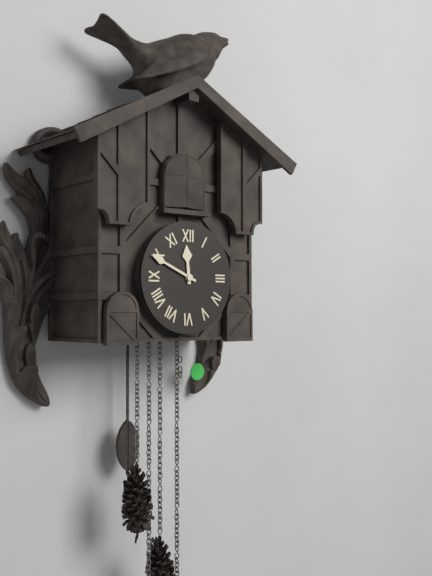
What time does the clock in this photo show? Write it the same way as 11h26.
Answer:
11h49
